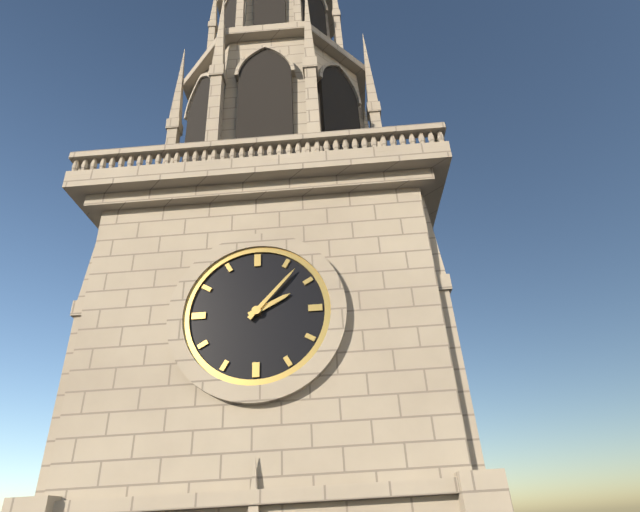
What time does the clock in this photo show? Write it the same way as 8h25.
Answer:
2h07
